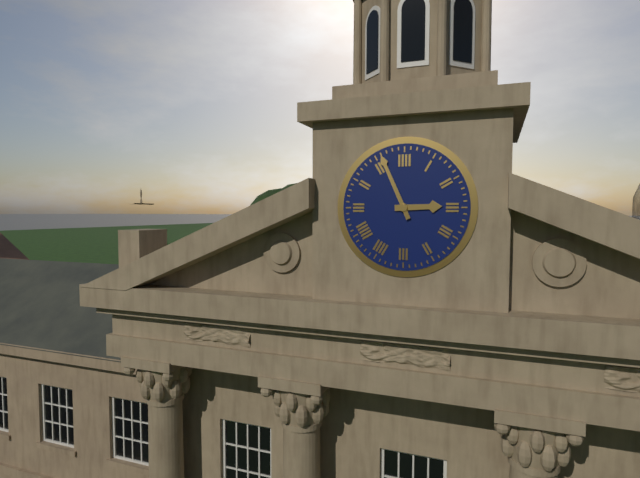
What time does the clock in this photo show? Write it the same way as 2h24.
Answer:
2h56
